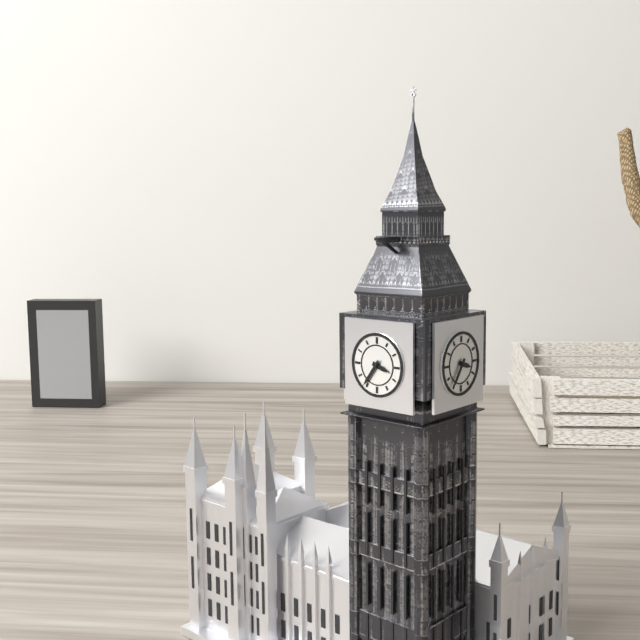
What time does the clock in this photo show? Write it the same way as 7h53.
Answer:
3h36
